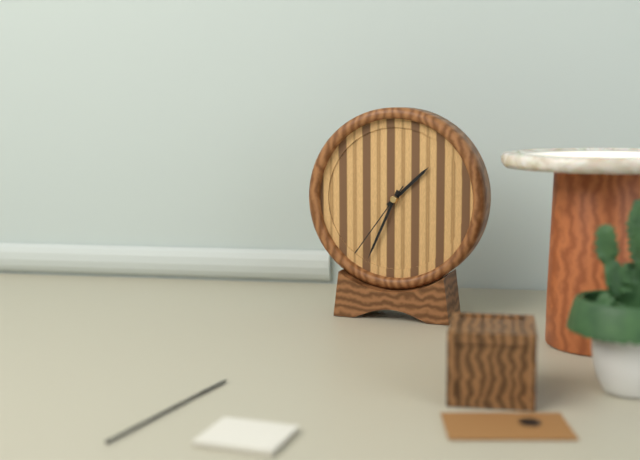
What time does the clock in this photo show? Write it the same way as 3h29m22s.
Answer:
1h34m36s
